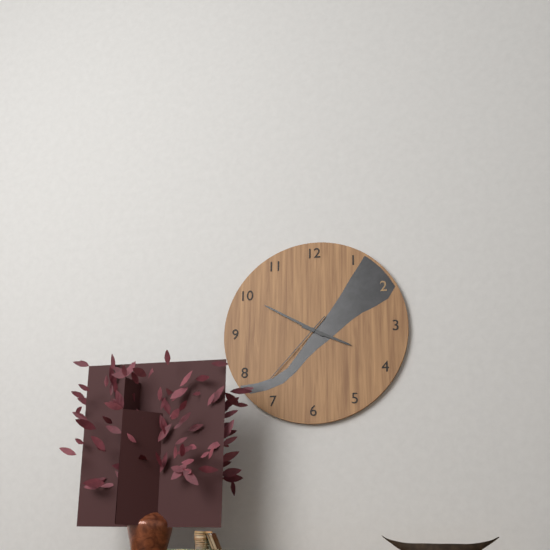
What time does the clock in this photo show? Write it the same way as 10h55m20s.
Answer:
3h50m37s
